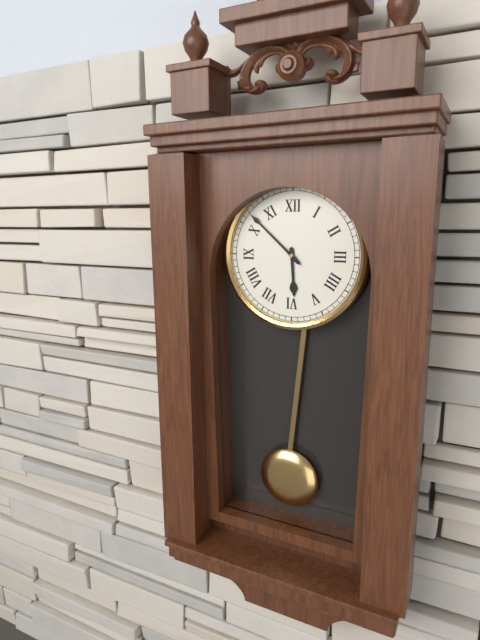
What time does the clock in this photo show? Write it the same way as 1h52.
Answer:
5h52
